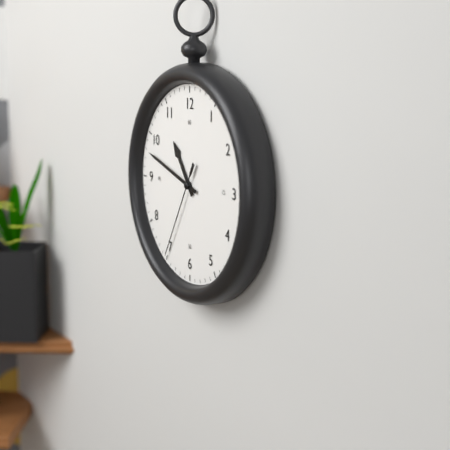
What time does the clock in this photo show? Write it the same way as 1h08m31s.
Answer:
10h48m35s
